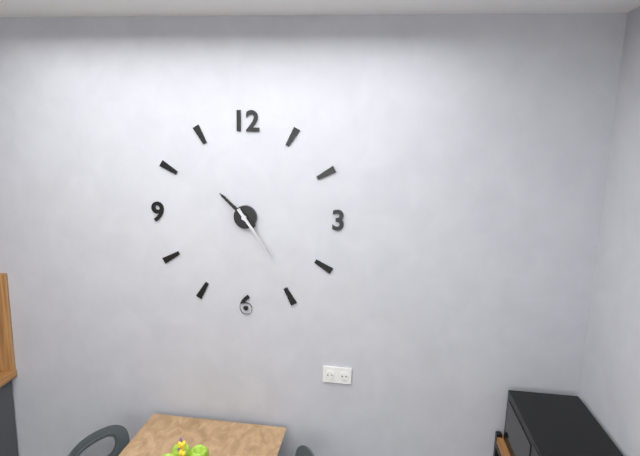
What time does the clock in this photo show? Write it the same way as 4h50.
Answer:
10h24
